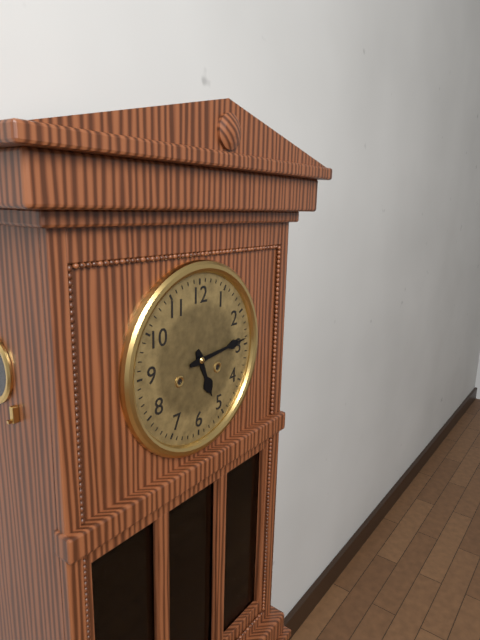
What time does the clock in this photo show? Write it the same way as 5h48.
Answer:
5h14
